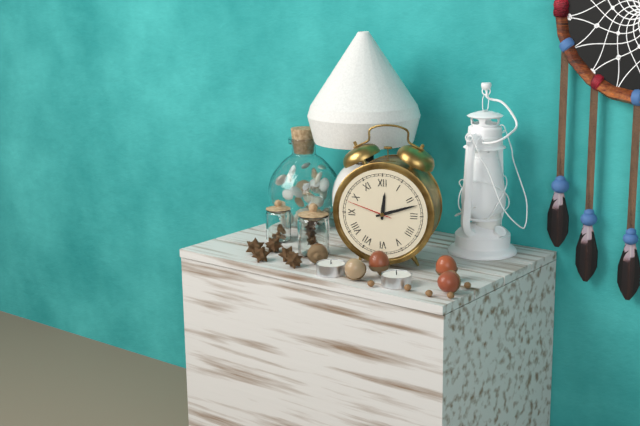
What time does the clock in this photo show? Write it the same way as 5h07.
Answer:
12h12
